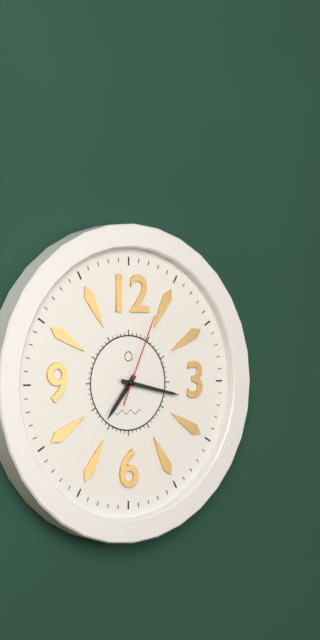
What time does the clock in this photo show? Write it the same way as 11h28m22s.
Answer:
7h17m04s
